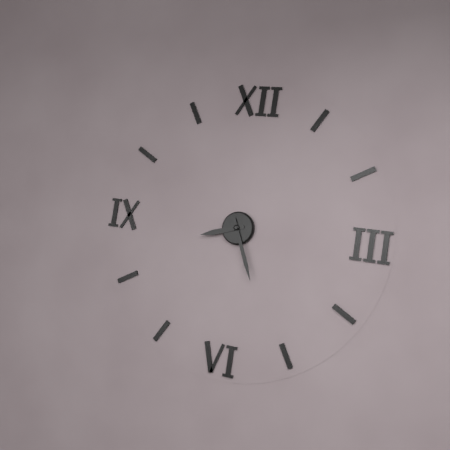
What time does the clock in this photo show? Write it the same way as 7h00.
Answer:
8h26
